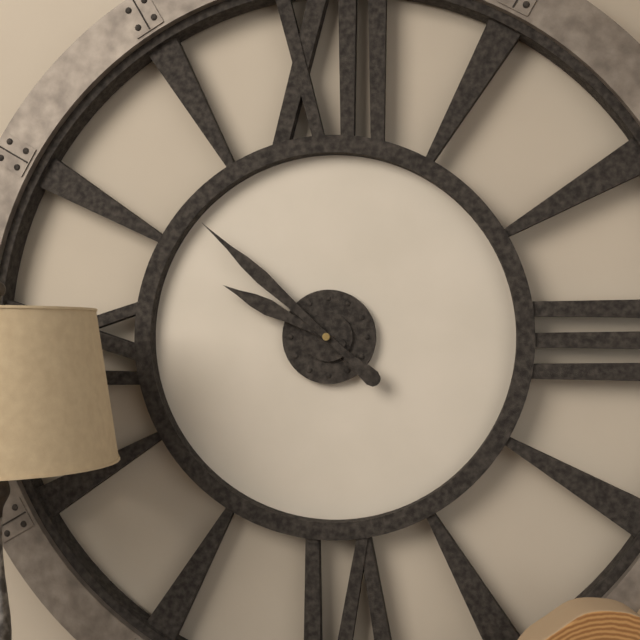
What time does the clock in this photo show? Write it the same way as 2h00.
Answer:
9h52
